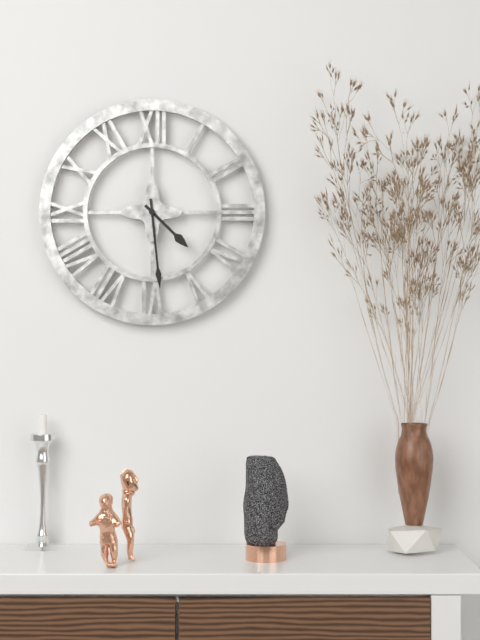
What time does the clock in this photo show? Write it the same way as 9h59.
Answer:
4h29
